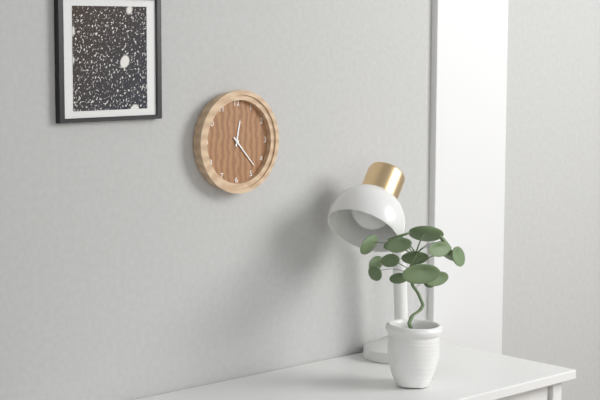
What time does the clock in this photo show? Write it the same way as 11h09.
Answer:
12h23
